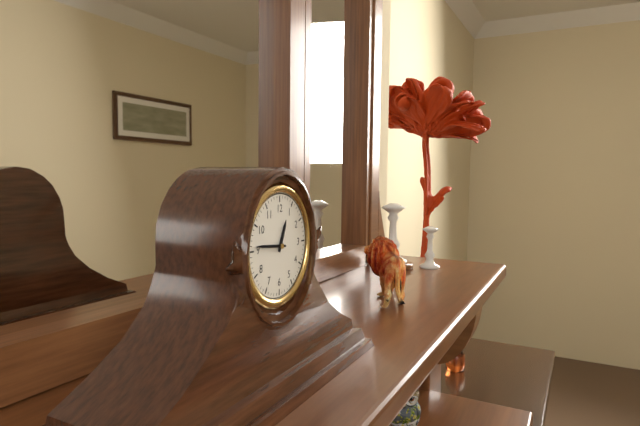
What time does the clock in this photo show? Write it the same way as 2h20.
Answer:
12h46
